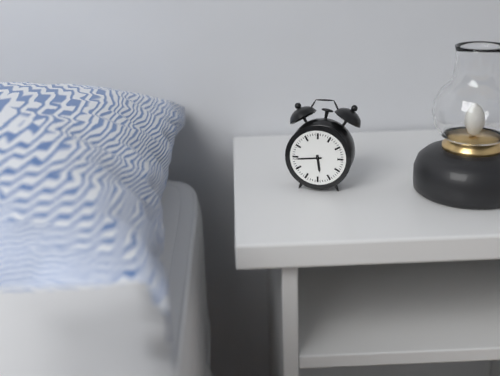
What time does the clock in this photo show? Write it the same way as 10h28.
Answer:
5h44
